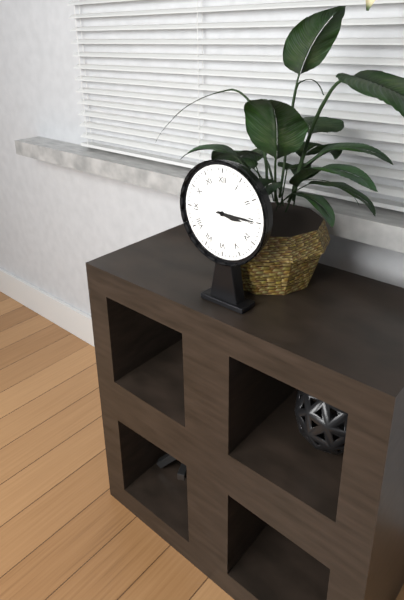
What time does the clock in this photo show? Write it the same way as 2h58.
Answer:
3h15
